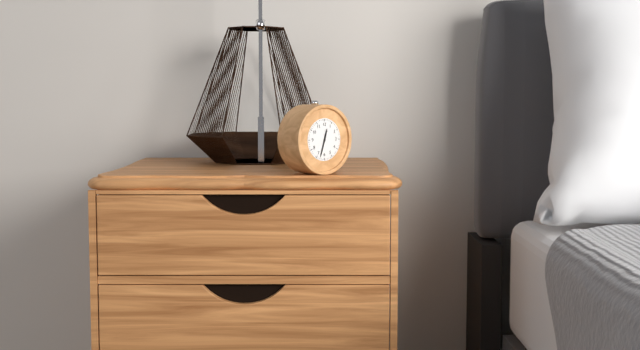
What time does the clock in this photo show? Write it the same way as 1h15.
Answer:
12h33
